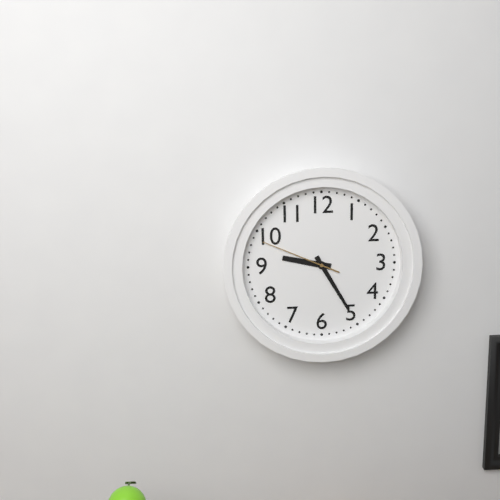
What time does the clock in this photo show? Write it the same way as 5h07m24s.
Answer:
9h25m49s
